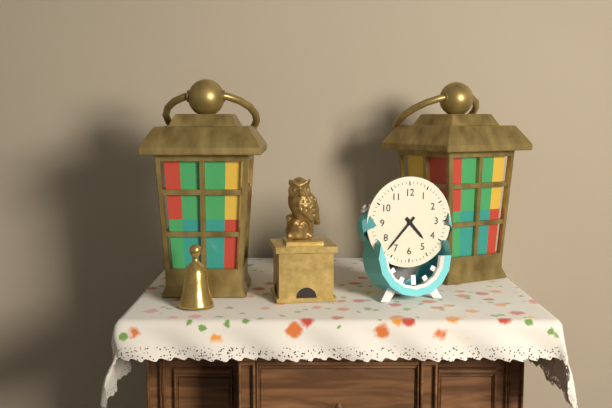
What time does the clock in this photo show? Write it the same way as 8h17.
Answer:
4h37
